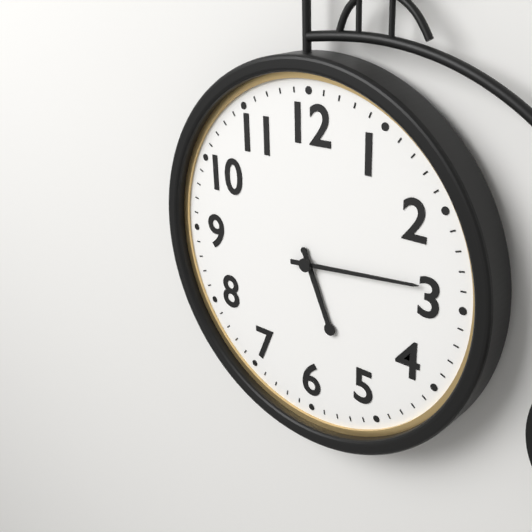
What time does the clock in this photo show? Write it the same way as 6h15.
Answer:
5h14
